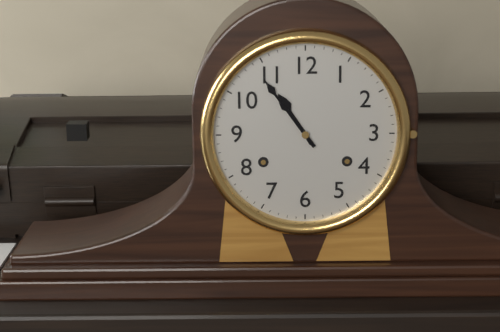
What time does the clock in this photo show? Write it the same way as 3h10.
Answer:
10h54
